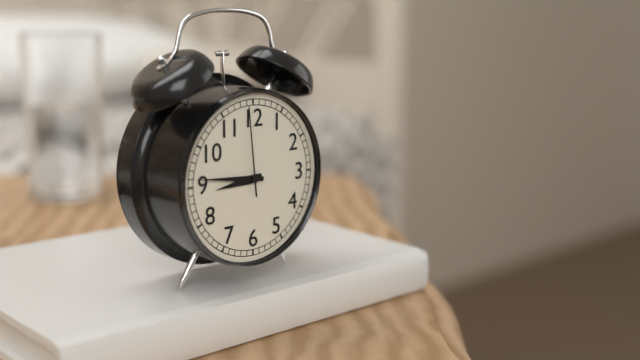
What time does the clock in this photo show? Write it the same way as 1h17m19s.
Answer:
8h46m59s
